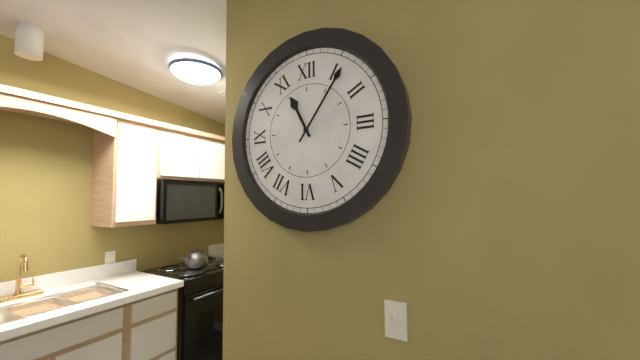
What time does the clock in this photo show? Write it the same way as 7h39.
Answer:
11h06
